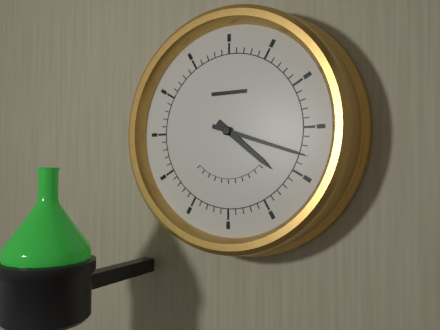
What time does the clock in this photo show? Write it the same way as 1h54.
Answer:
4h18
